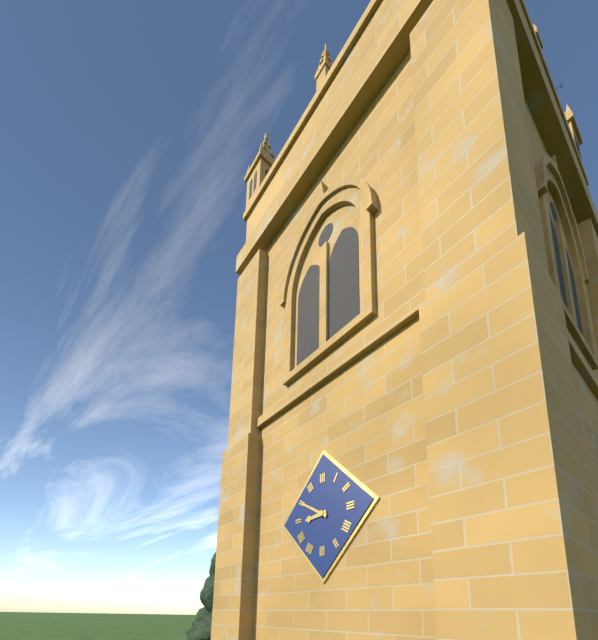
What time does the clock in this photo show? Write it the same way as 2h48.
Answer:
8h50
